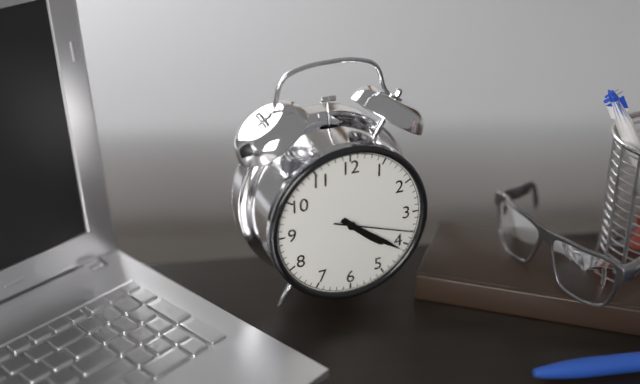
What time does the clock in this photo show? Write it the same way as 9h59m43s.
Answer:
4h21m18s
